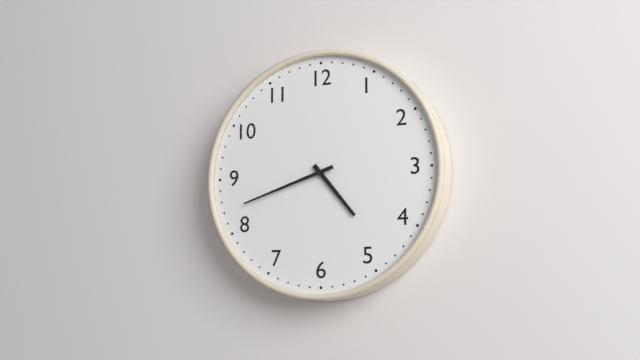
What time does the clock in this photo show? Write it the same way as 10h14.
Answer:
4h42
